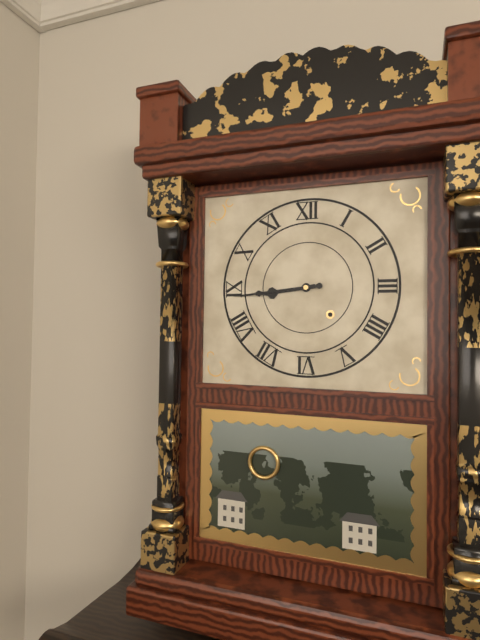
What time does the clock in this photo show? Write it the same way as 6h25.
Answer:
8h44
